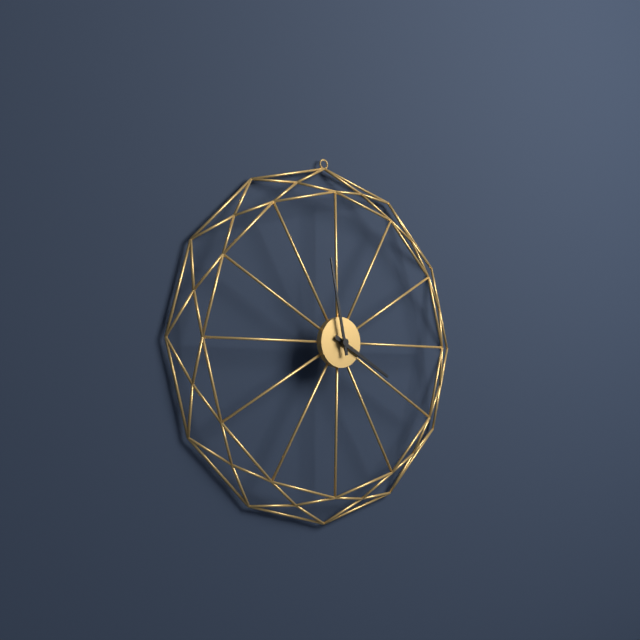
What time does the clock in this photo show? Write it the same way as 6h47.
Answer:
3h58
